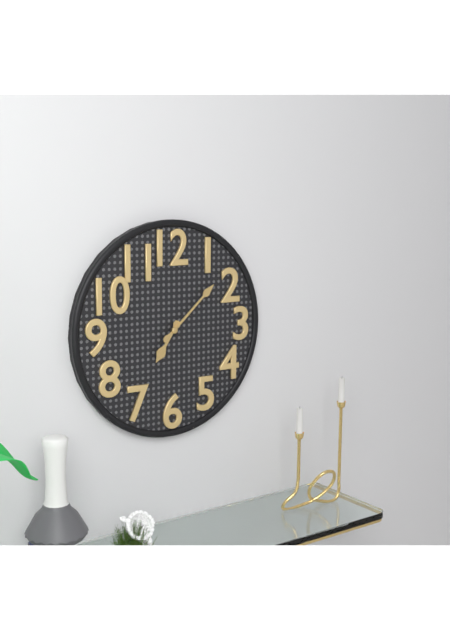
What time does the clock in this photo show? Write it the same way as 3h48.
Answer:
7h08
